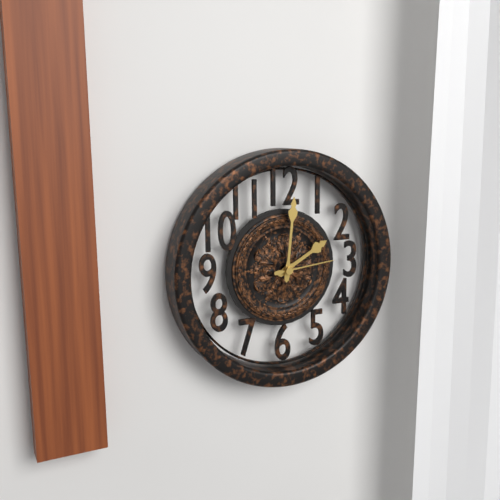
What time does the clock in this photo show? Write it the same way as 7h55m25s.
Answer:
2h01m14s
